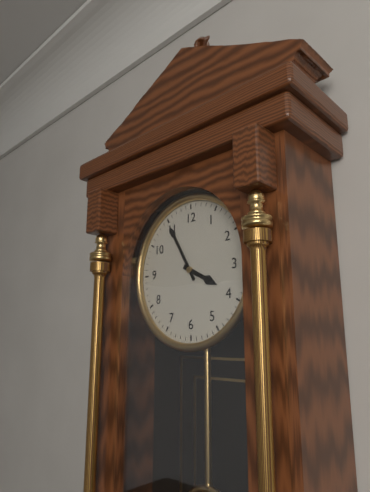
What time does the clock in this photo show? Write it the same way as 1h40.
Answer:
3h55
